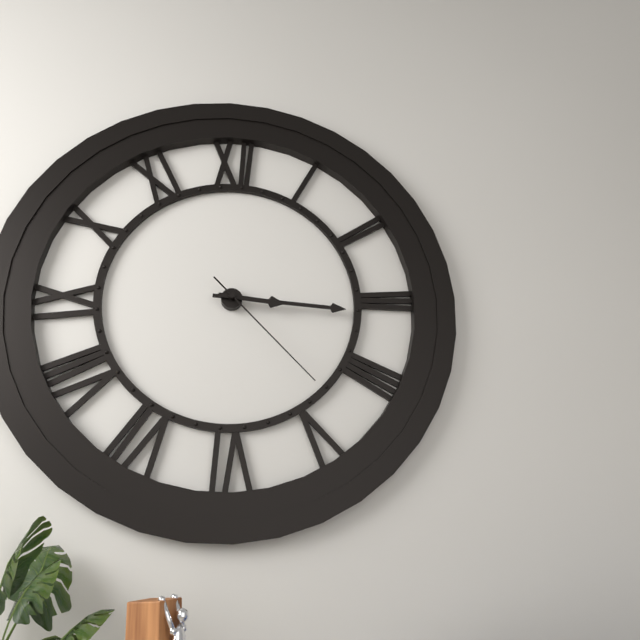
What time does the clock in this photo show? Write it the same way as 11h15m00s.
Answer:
3h16m23s
